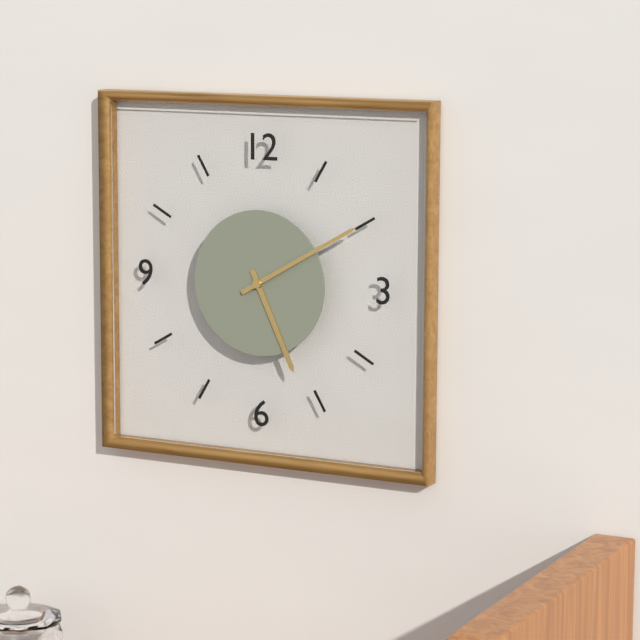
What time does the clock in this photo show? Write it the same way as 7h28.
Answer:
5h10
